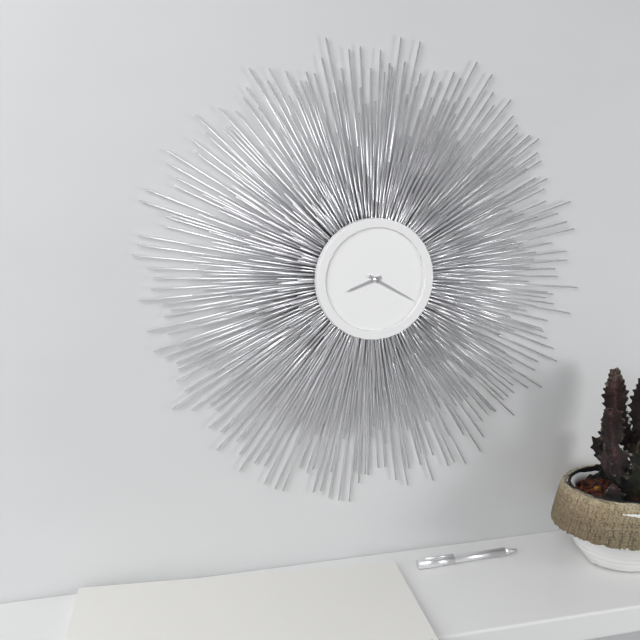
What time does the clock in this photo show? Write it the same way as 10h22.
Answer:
8h20
